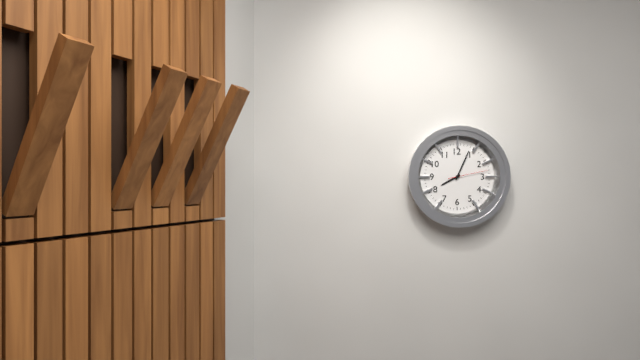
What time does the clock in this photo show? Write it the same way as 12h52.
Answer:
8h04
